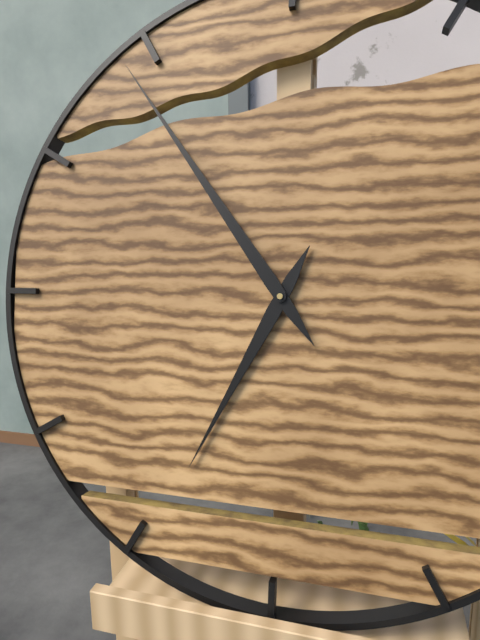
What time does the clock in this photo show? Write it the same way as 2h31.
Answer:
6h54
